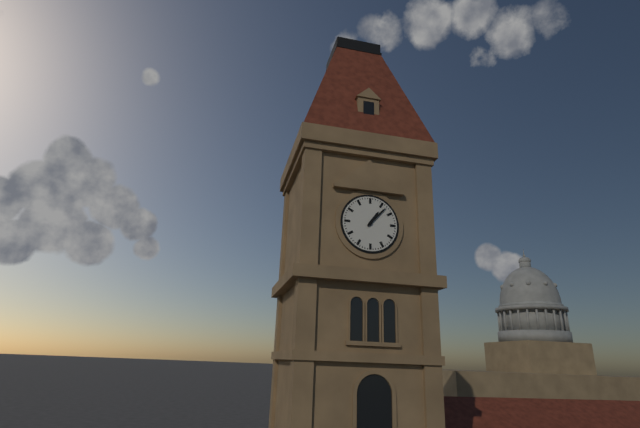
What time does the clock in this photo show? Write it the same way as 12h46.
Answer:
1h07
